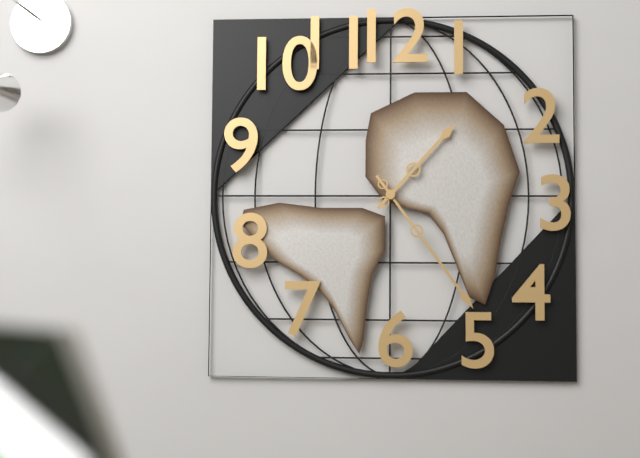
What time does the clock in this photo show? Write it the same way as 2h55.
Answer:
1h24
